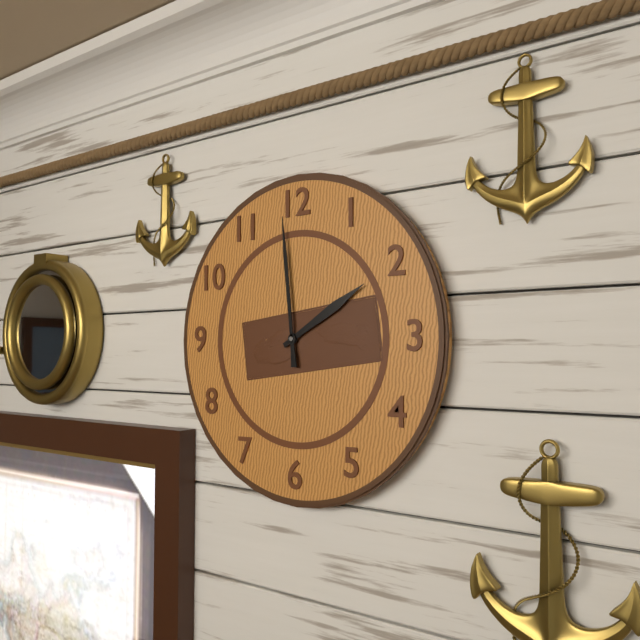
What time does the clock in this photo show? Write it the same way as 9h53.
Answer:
1h59
